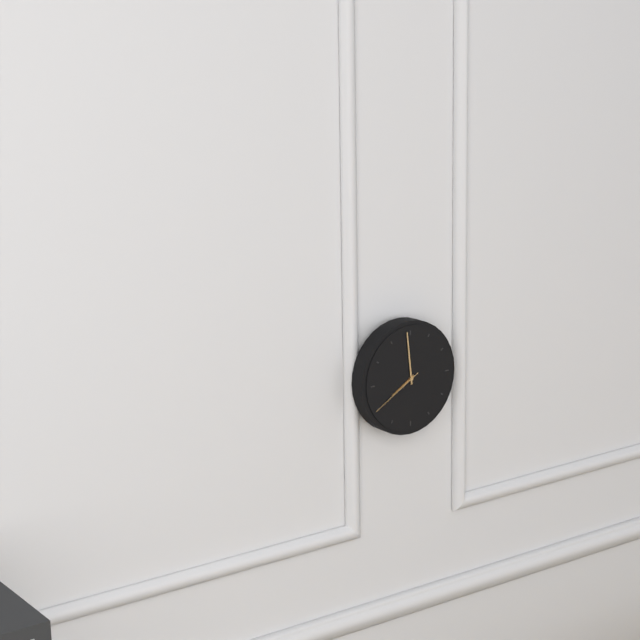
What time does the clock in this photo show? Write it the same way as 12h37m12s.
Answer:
7h59m40s
